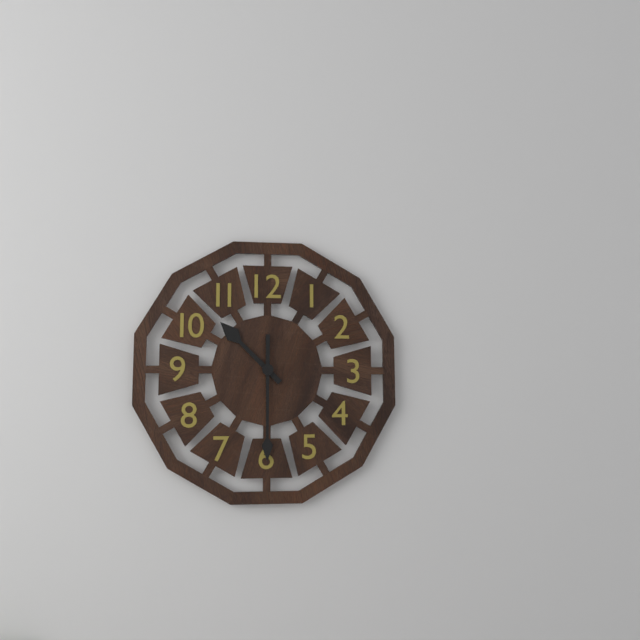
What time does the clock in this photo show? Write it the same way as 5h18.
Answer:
10h30
